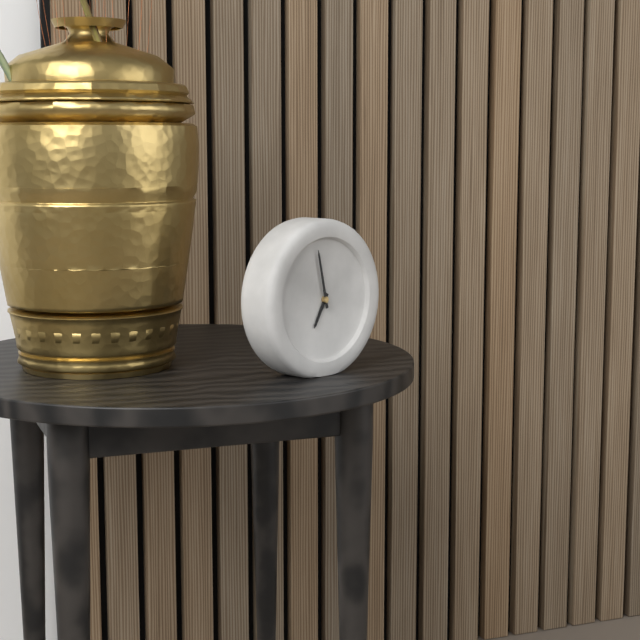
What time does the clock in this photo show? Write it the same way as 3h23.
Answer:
6h58
